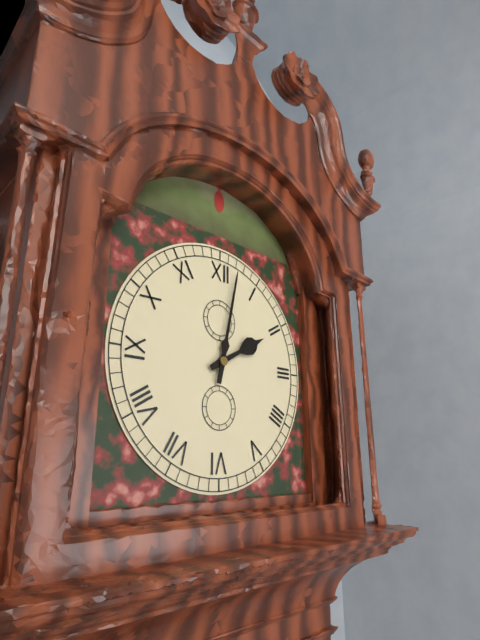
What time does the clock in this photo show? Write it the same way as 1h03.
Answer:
2h02
